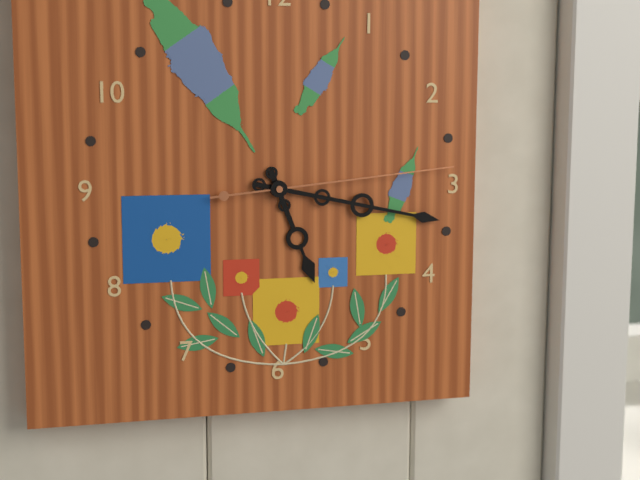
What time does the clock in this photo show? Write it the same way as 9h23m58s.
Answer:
5h17m14s
